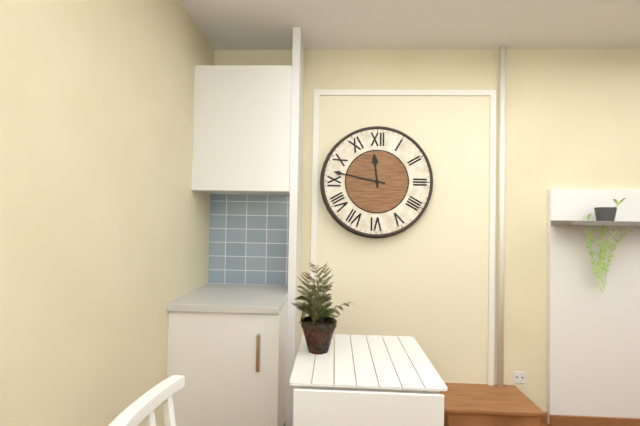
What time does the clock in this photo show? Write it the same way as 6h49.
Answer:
11h47
